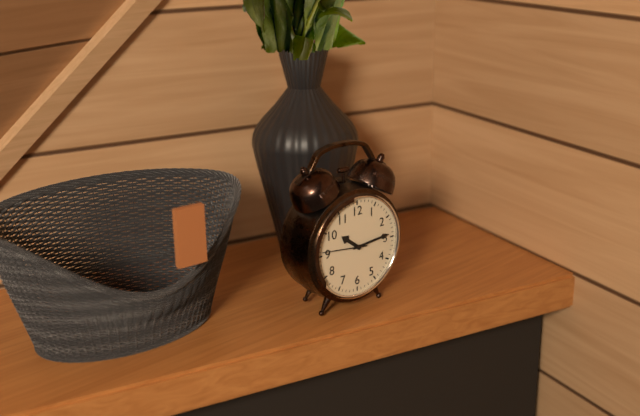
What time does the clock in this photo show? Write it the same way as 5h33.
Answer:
10h14
